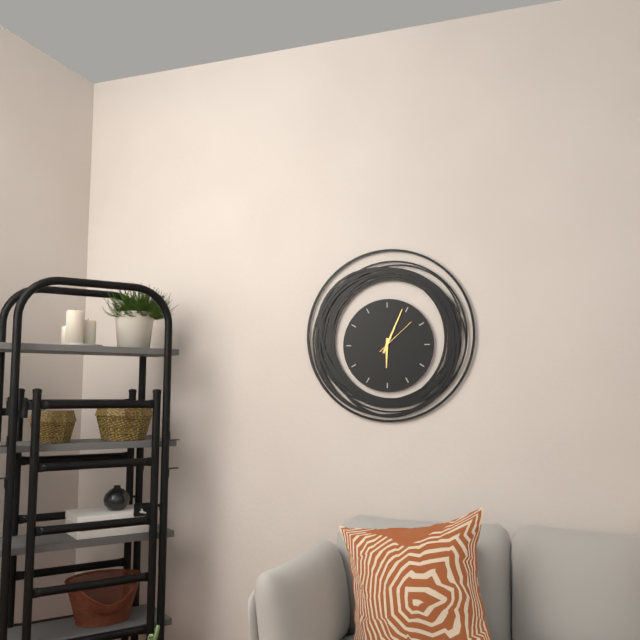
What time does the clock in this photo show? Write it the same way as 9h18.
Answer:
6h04
